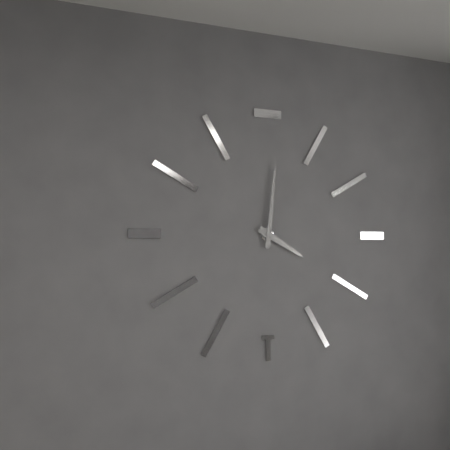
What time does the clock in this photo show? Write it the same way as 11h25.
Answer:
4h01
